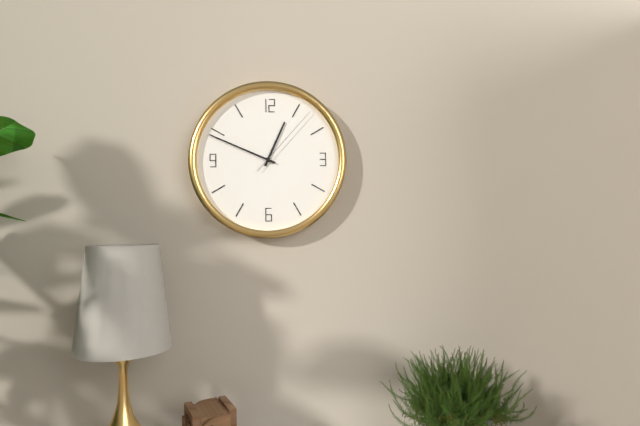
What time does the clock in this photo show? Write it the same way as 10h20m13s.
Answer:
12h49m07s
